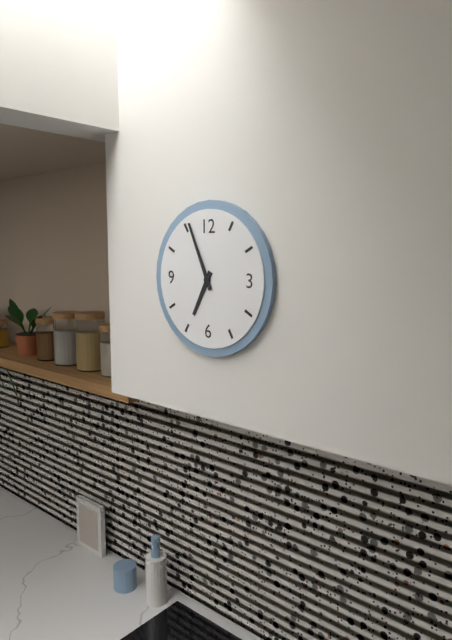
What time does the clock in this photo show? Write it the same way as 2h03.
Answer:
6h56
